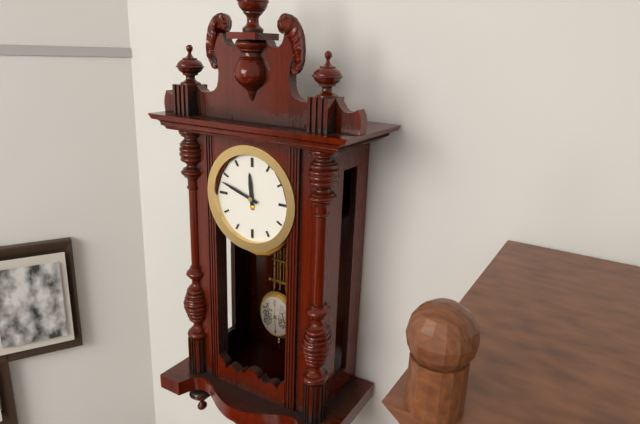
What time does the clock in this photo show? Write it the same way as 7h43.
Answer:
11h48
